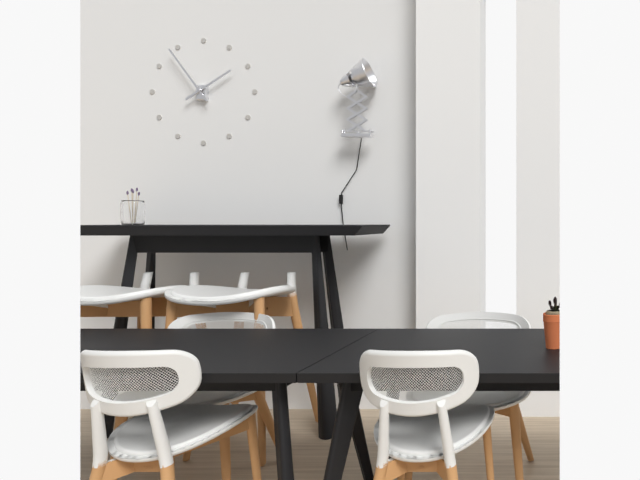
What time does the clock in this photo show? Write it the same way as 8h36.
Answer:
1h54
